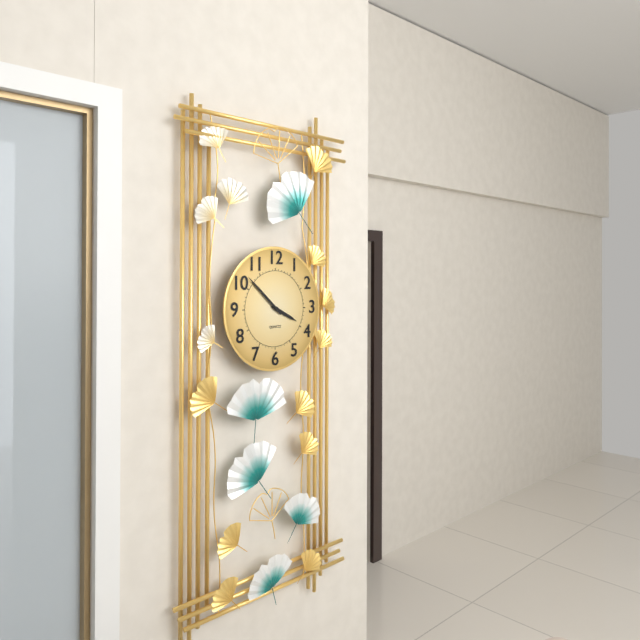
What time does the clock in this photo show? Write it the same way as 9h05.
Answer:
3h52
